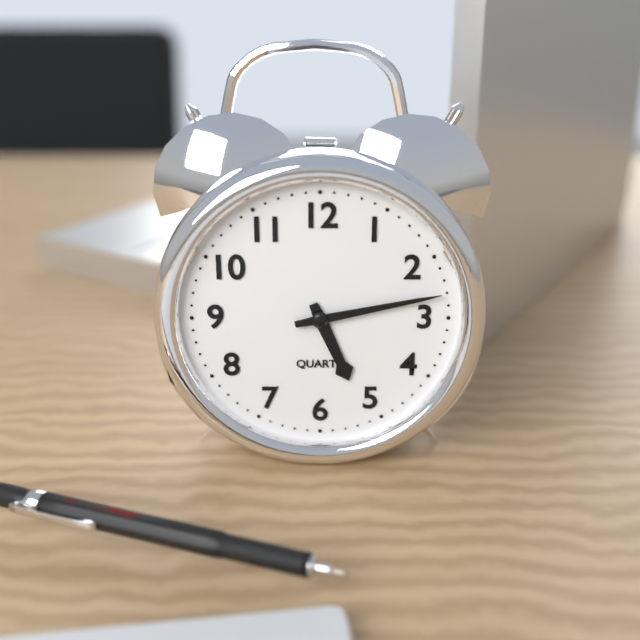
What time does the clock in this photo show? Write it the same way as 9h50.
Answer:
5h13
